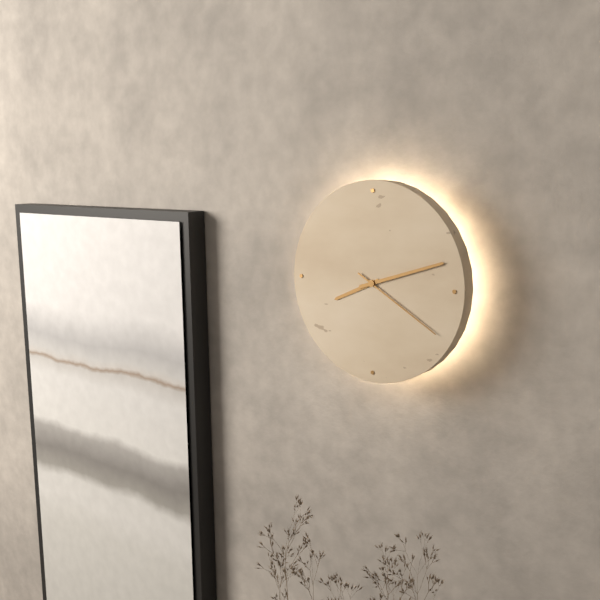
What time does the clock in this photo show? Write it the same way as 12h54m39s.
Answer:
8h12m20s
